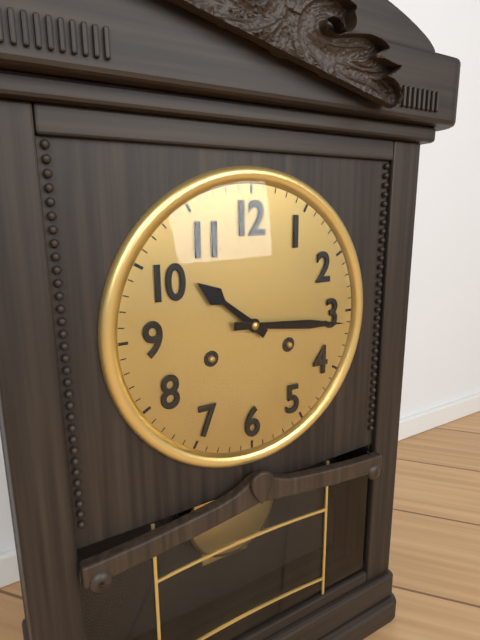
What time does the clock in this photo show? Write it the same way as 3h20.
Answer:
10h16
